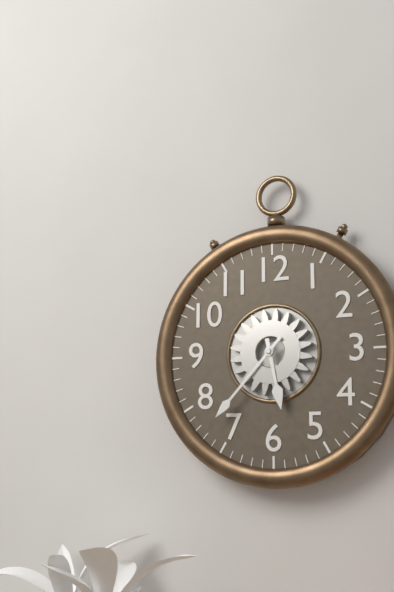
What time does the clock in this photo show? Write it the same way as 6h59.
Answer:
5h37
